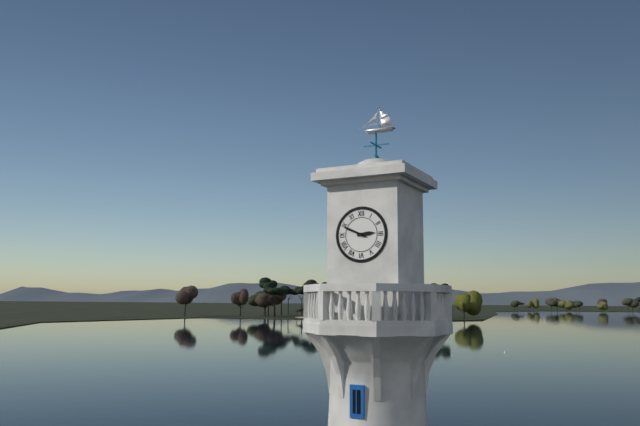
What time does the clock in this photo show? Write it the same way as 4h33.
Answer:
2h49
